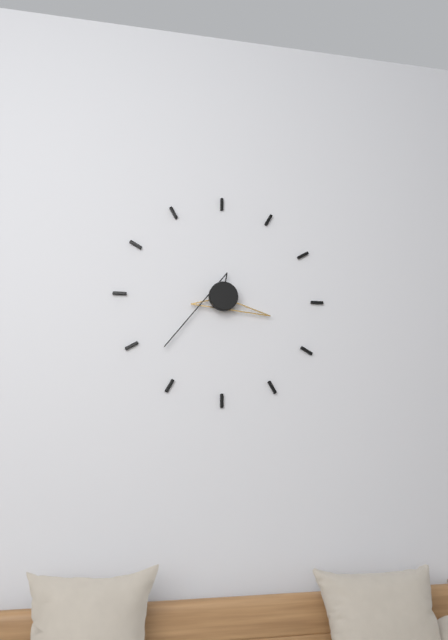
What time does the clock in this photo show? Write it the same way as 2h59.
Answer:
3h38
